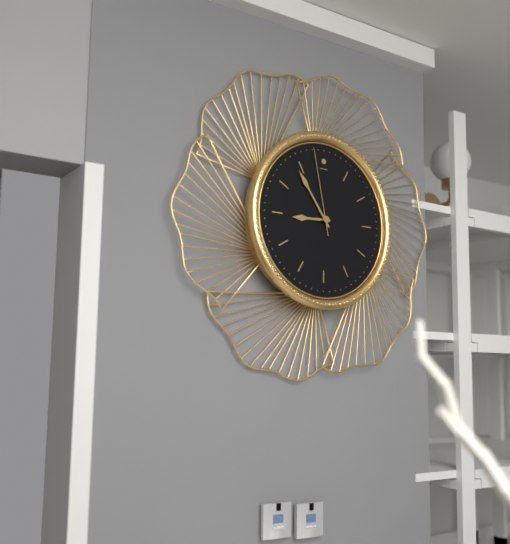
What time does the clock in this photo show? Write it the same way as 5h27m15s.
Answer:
8h54m58s
